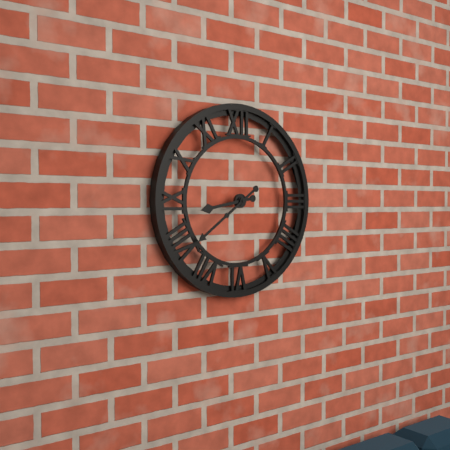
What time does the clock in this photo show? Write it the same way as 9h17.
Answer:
8h39
